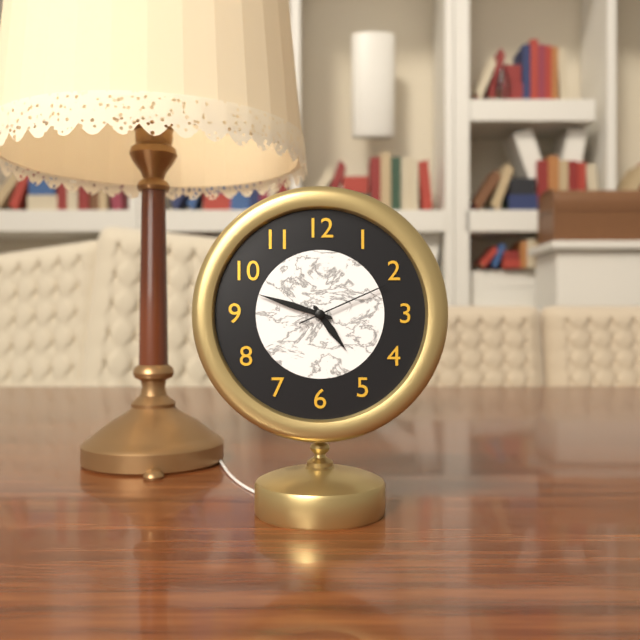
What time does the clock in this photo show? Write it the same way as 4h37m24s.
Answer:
4h48m11s
